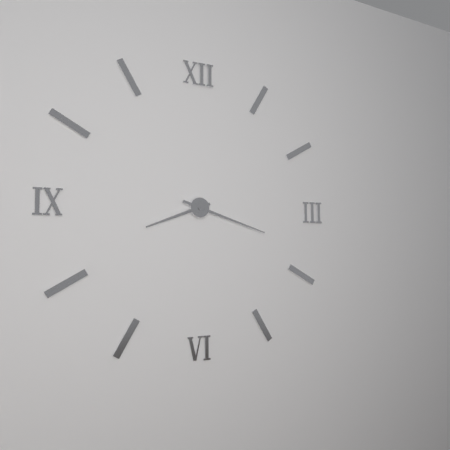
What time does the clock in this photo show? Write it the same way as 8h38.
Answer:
8h18
